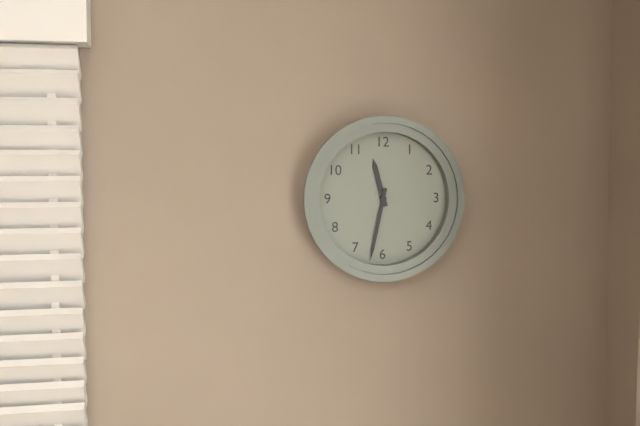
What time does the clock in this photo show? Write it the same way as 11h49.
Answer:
11h32
